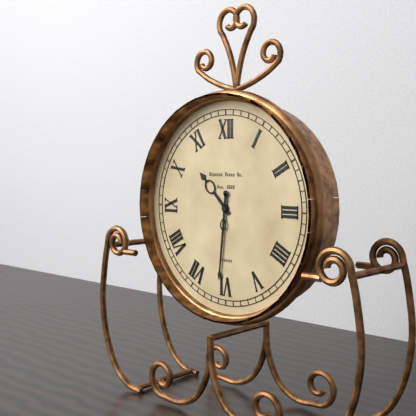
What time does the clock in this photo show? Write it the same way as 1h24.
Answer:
10h31
